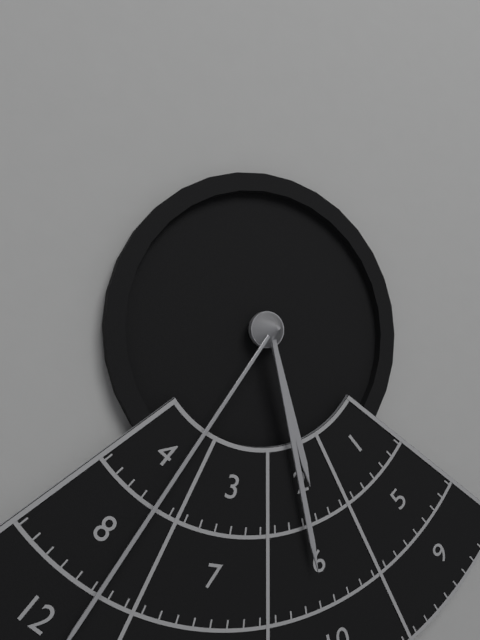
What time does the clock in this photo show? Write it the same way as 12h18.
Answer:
5h28
